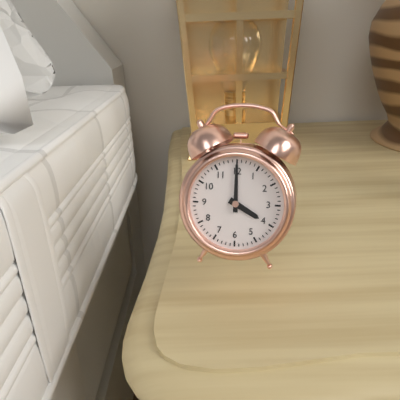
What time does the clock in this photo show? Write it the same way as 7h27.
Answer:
4h00
